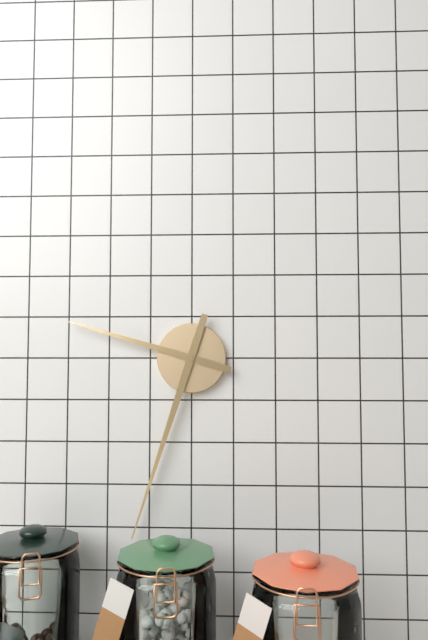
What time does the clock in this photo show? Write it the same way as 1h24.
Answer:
9h33
